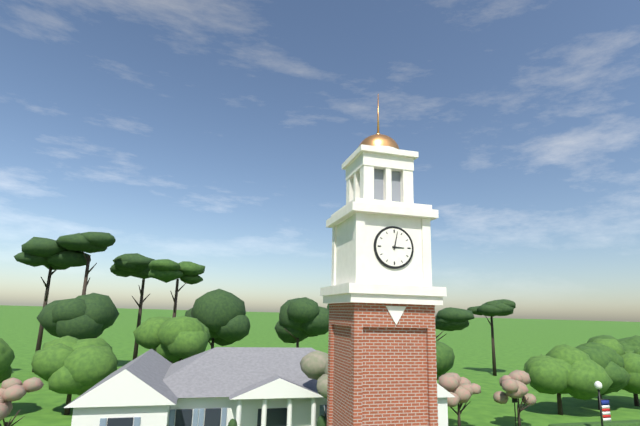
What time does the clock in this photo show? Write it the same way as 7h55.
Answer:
3h02
